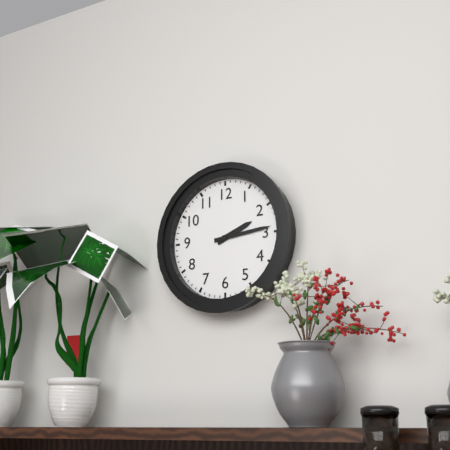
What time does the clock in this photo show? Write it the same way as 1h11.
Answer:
2h14
